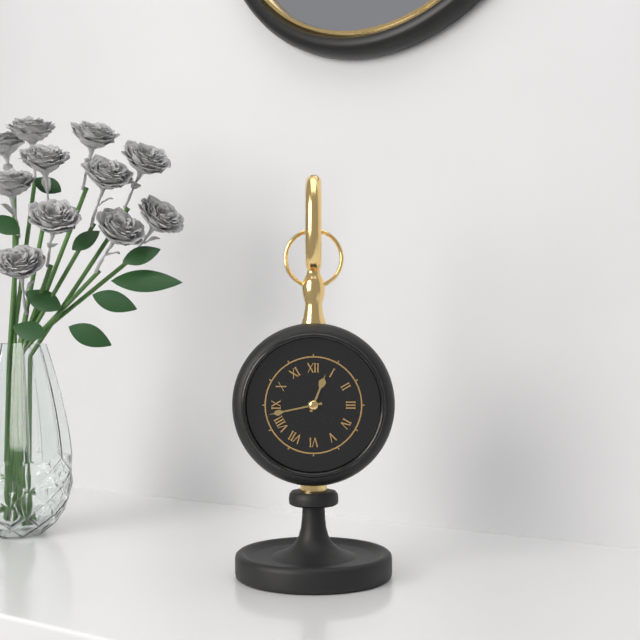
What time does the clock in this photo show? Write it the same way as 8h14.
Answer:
12h43
